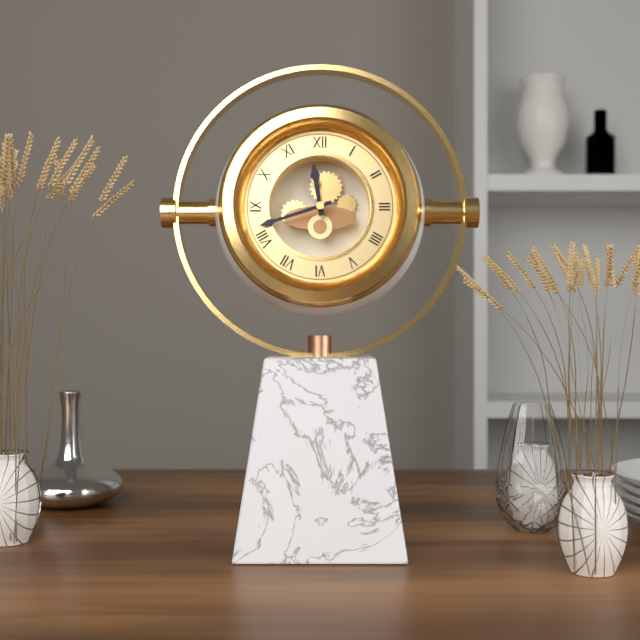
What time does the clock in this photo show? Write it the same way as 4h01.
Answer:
11h42
